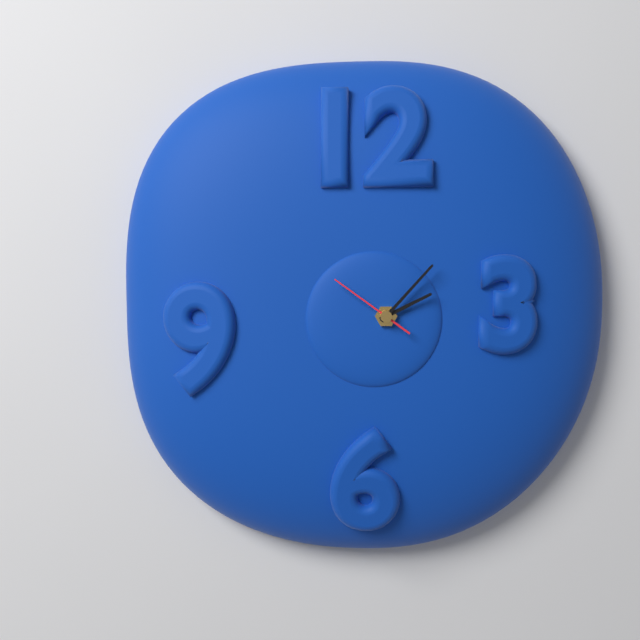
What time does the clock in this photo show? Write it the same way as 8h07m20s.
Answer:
2h07m51s
